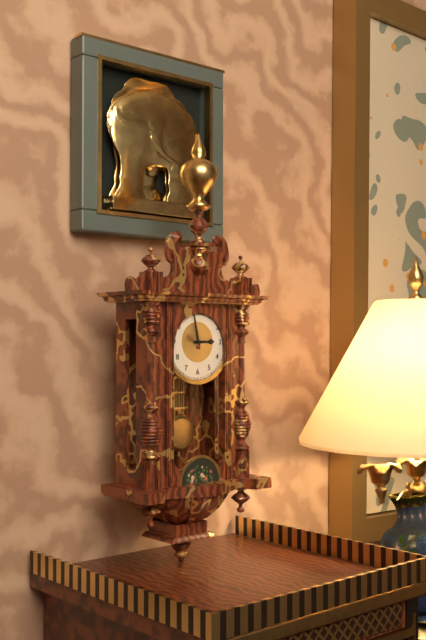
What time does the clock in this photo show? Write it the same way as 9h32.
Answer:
2h58
